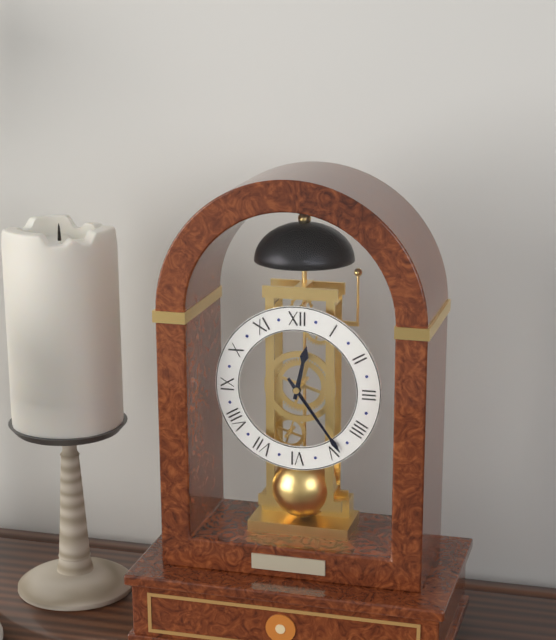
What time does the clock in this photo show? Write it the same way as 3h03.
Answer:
12h24
